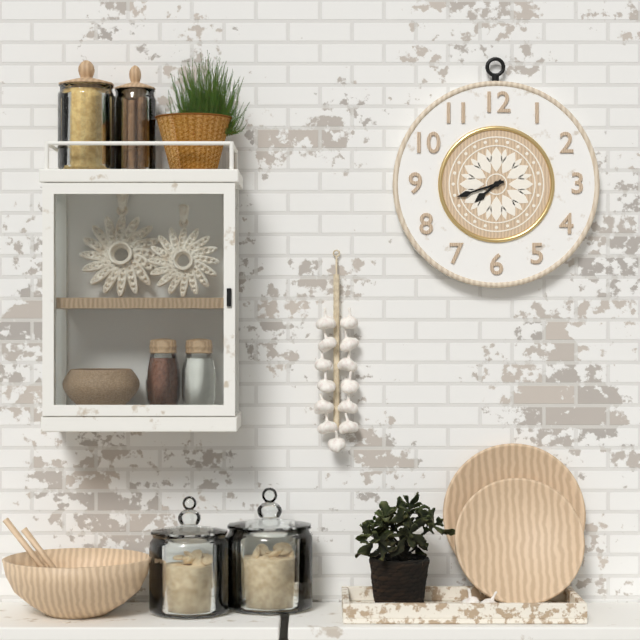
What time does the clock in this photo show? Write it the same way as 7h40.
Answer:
7h42
